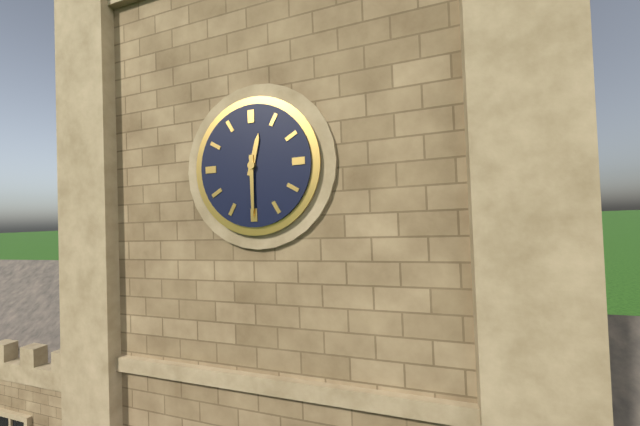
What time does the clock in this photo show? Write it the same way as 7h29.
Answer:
12h30
